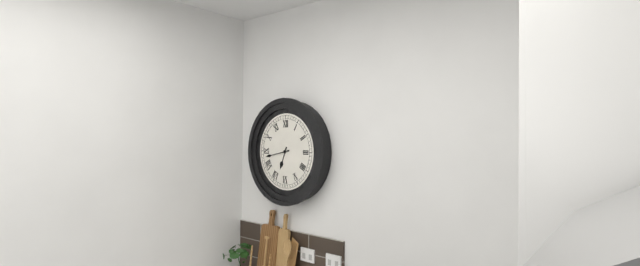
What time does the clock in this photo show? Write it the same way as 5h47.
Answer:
6h43
